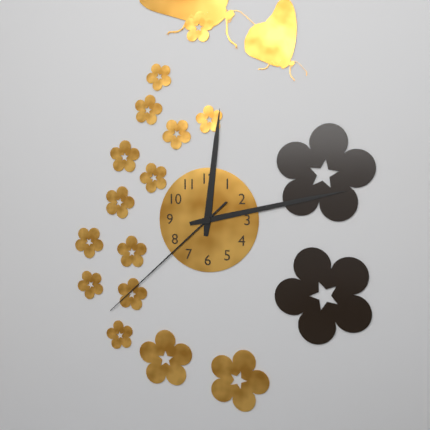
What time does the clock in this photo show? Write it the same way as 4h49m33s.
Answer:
12h13m38s
